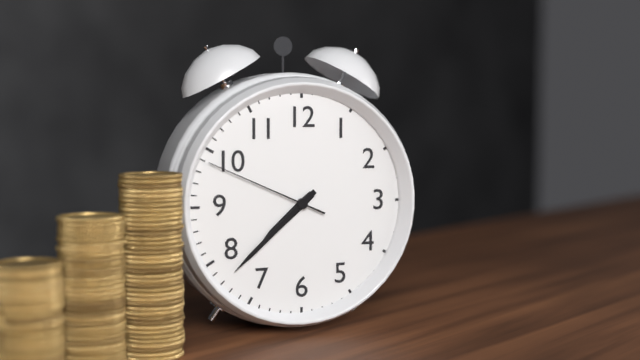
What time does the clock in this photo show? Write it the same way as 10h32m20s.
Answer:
7h38m49s
